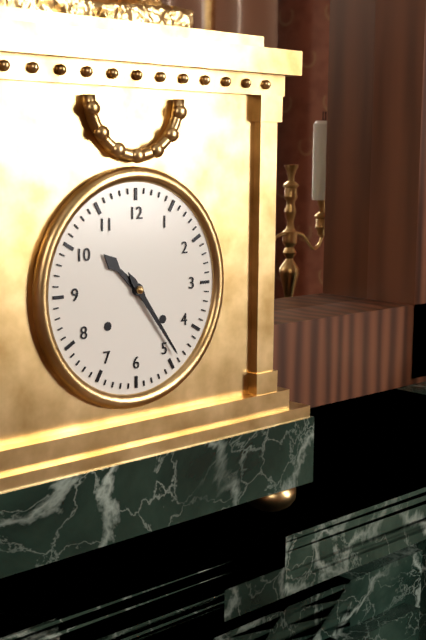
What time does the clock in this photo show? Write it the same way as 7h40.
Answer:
10h24
